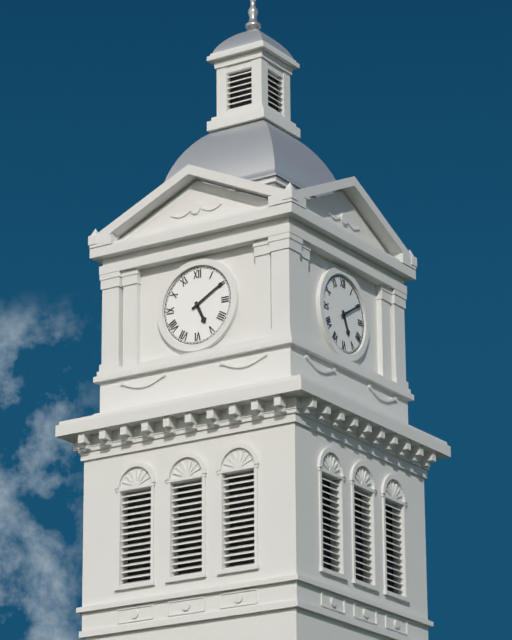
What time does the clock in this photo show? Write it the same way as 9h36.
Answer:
5h10
